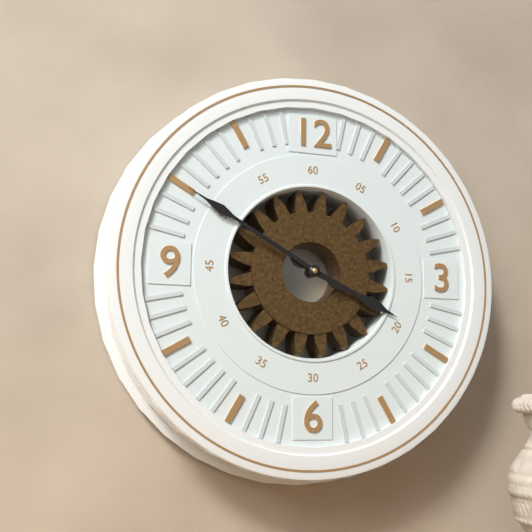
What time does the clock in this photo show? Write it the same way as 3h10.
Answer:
3h50
